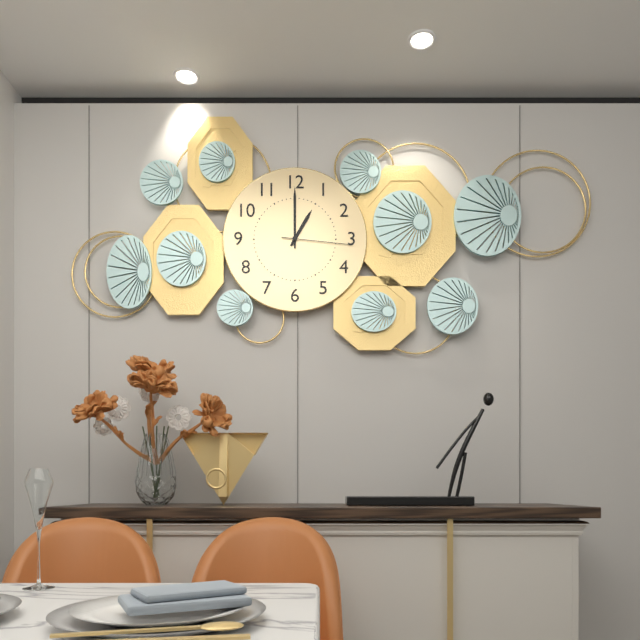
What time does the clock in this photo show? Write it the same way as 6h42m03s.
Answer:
1h00m16s
